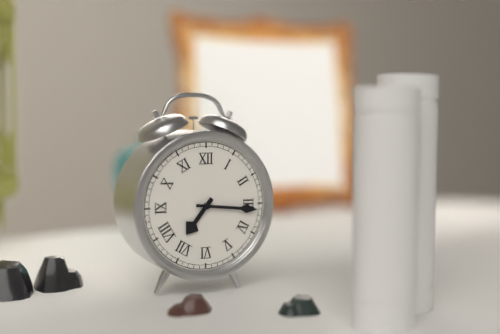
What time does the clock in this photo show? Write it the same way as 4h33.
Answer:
7h16
